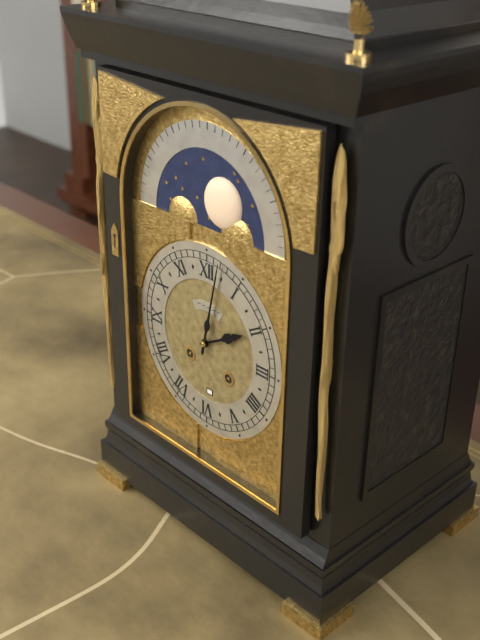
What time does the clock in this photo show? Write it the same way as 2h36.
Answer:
2h02
